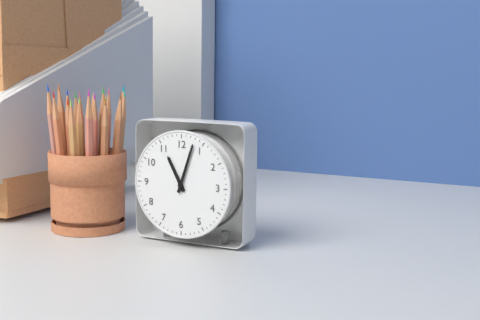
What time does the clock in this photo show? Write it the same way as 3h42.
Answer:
11h03
